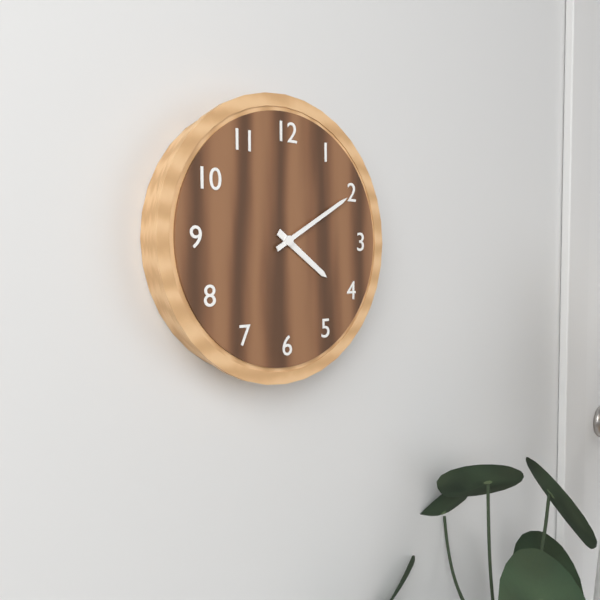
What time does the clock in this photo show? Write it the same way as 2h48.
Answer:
4h10
